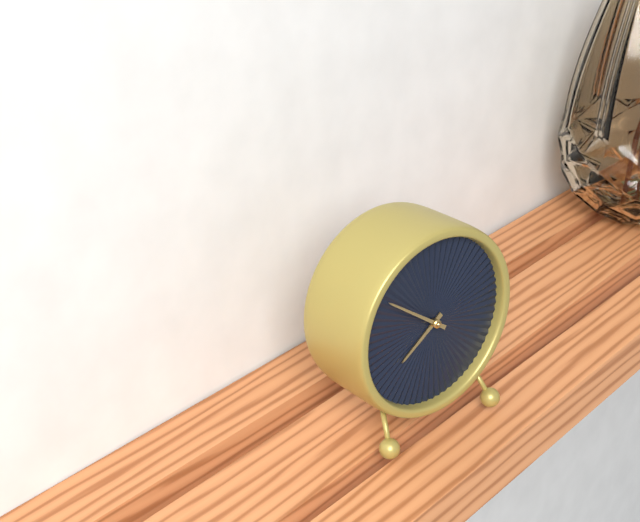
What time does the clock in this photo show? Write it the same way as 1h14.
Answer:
7h51
